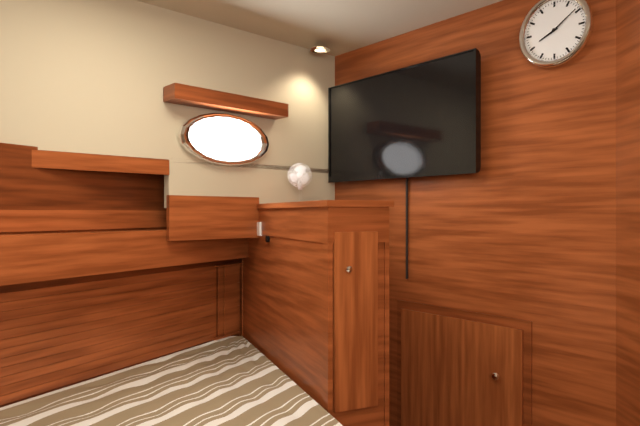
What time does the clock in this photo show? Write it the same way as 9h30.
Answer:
8h09
